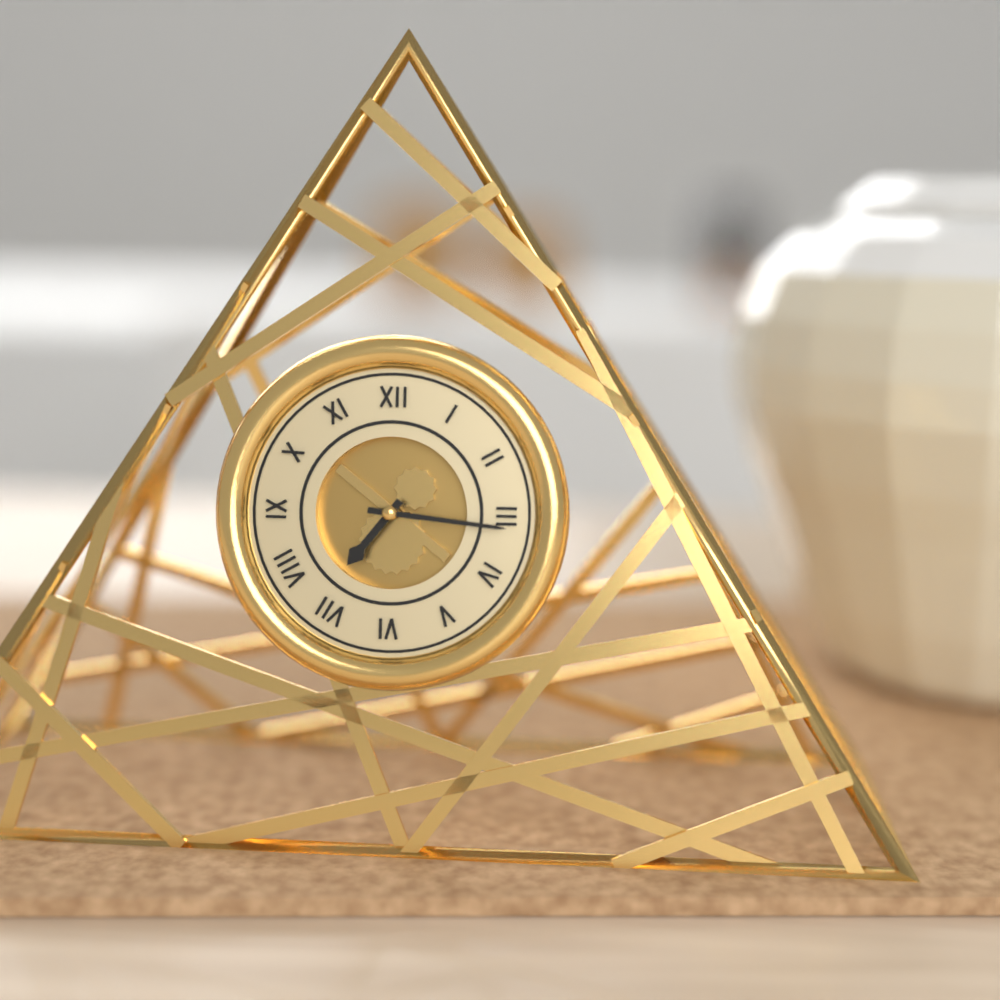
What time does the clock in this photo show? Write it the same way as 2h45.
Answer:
7h16
